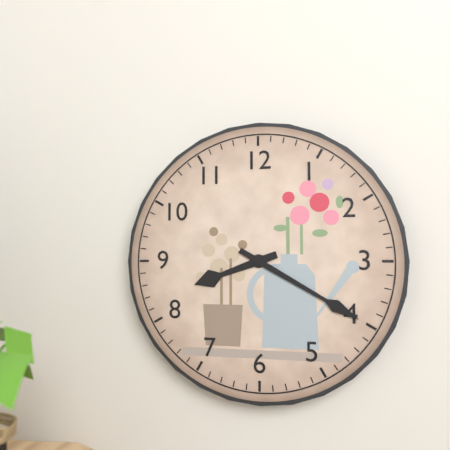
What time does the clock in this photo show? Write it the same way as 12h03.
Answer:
8h20
